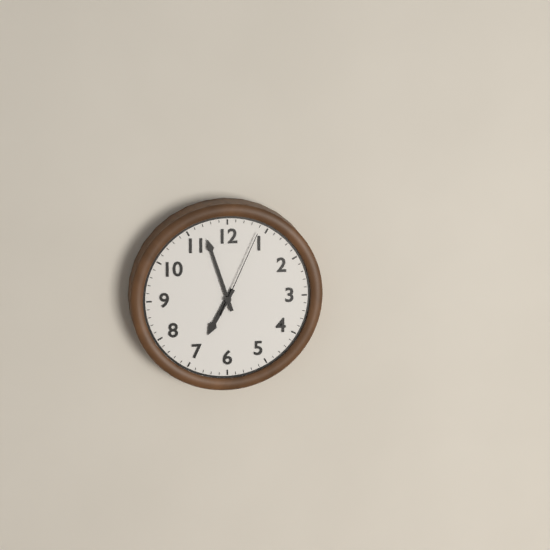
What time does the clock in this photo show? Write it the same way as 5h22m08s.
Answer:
6h57m04s
